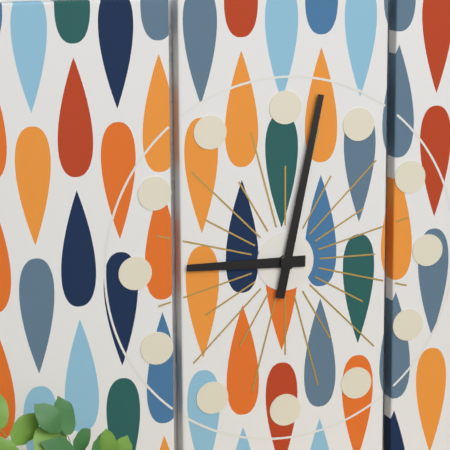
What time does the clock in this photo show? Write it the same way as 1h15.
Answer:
9h02
